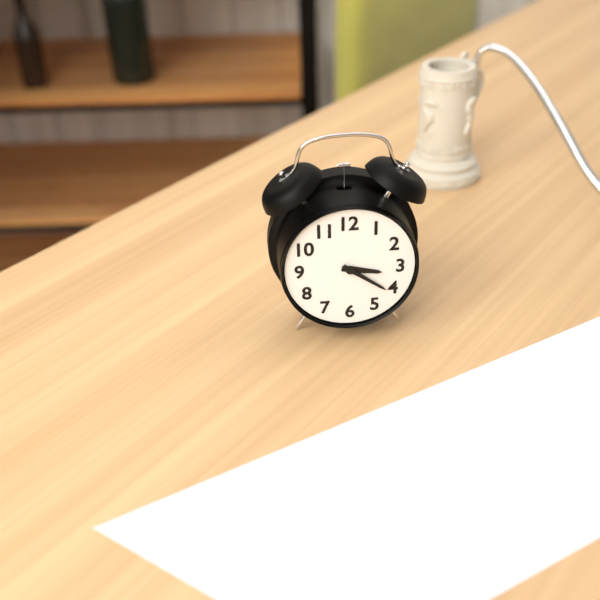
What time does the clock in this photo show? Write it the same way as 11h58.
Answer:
3h21
